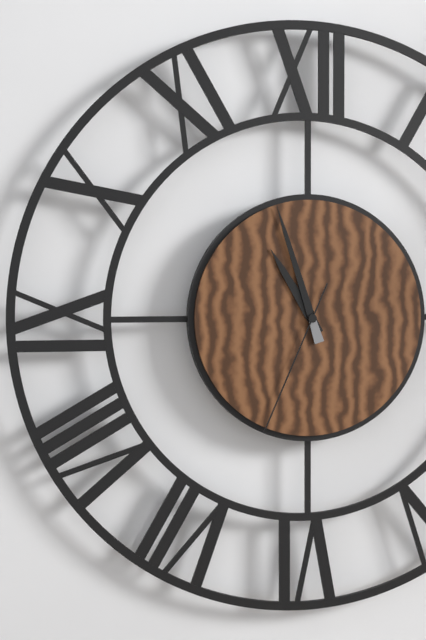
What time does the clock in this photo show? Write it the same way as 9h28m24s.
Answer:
10h57m34s
